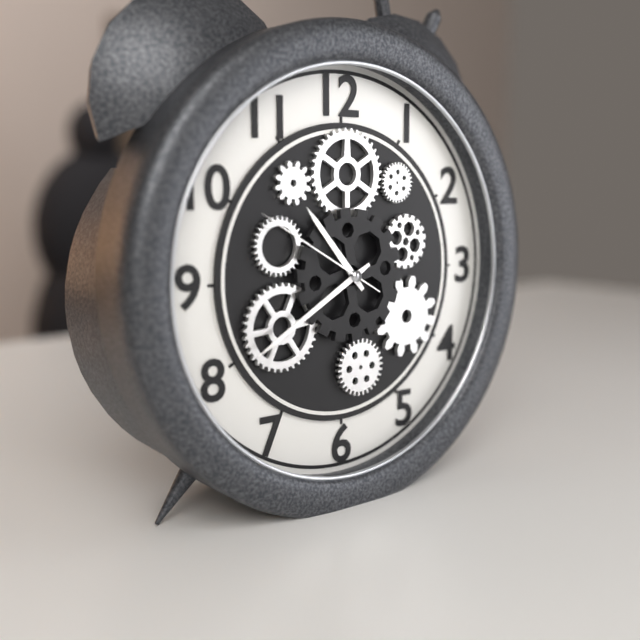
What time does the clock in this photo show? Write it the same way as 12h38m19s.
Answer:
10h40m50s
